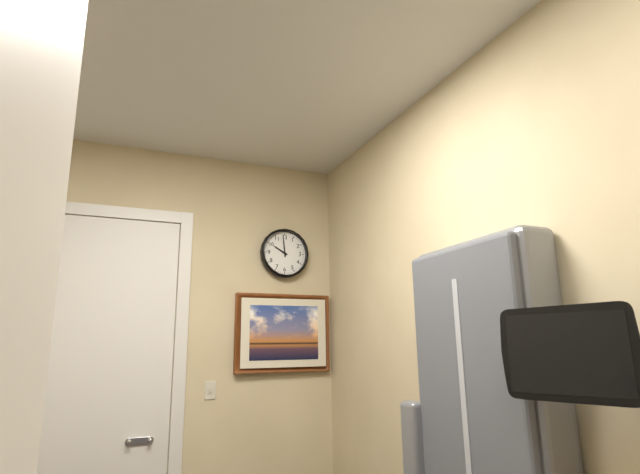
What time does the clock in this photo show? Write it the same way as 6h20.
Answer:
9h59
